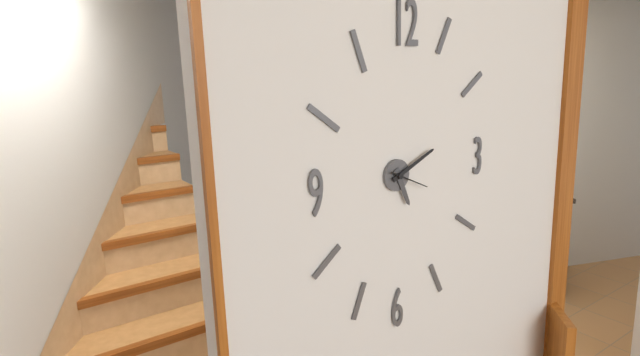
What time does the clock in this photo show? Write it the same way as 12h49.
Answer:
5h11
